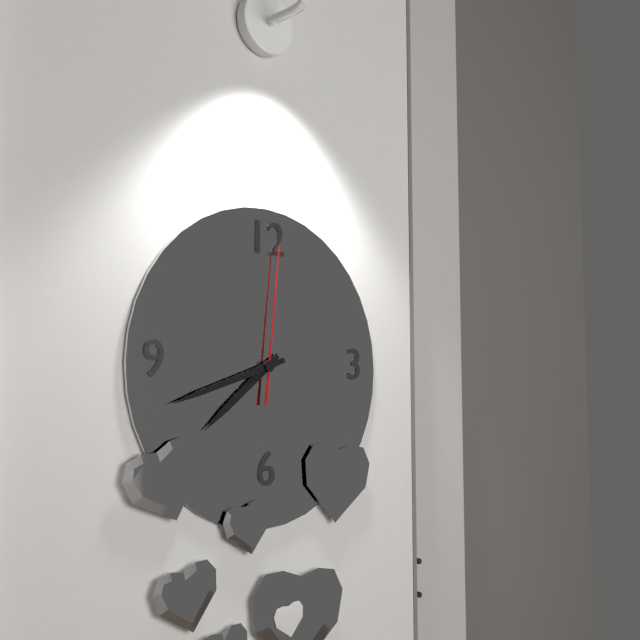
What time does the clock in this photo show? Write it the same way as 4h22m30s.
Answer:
7h42m01s
